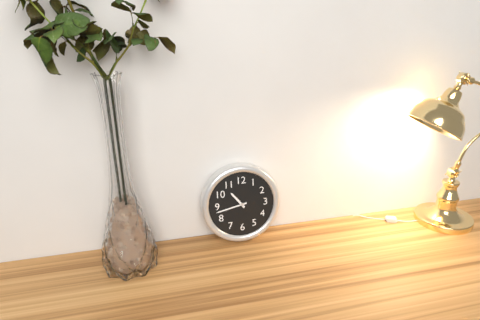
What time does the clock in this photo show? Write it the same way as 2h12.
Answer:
10h43
